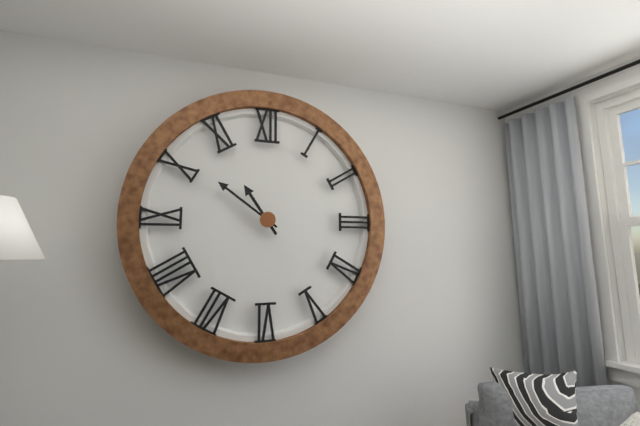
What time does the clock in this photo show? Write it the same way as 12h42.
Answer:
10h51
